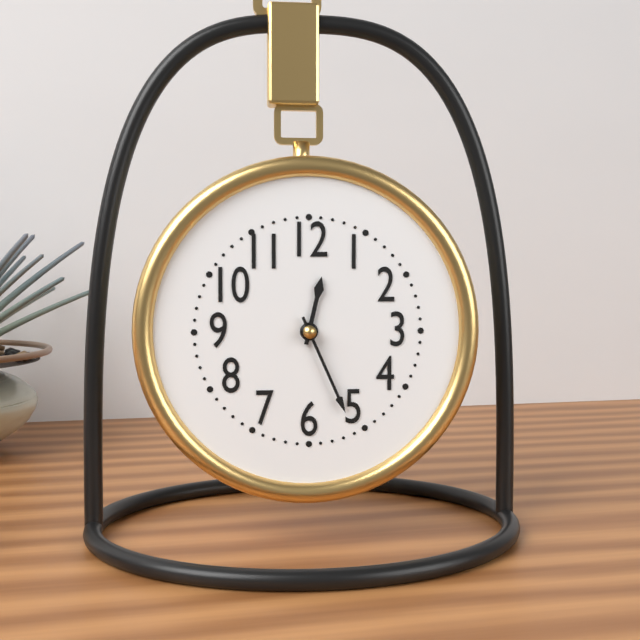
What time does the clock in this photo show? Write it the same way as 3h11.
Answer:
12h26
